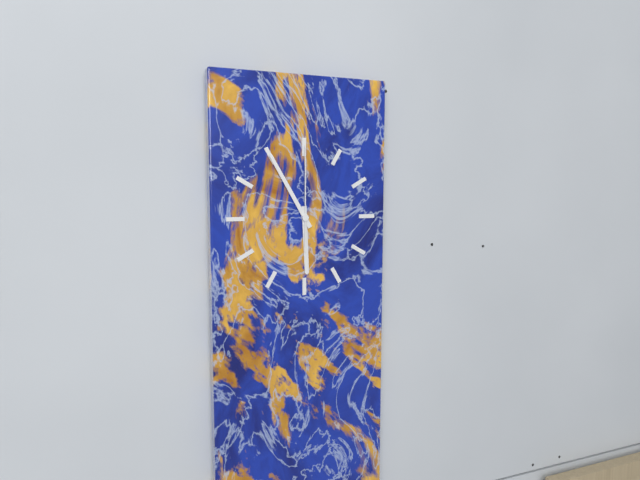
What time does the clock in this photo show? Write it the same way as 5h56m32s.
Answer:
5h55m00s
